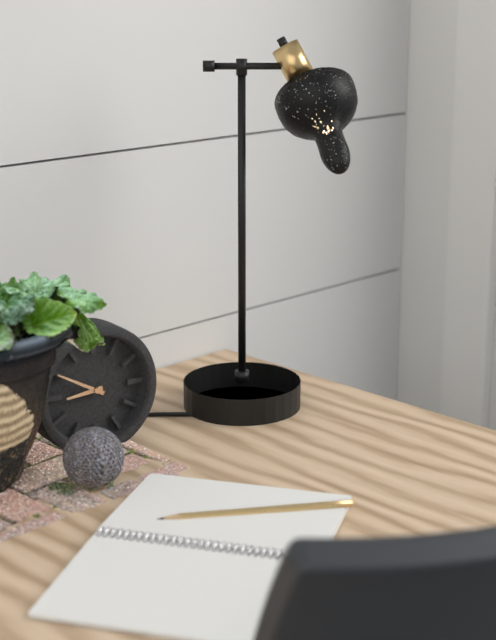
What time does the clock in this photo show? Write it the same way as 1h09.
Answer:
8h50
